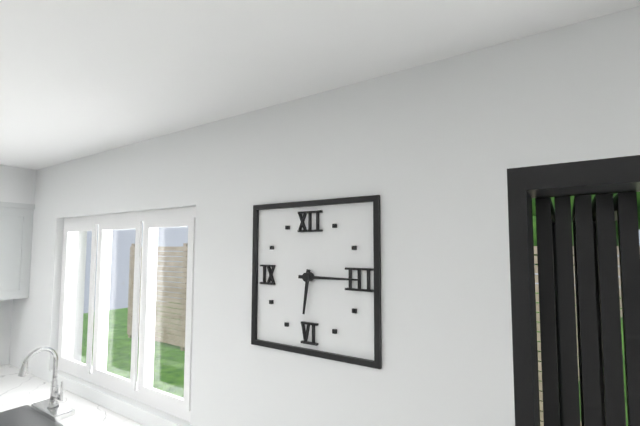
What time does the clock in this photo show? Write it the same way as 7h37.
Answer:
6h15
